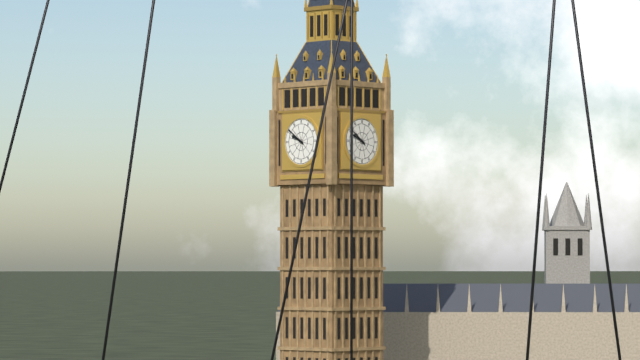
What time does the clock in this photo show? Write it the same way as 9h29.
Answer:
9h51
